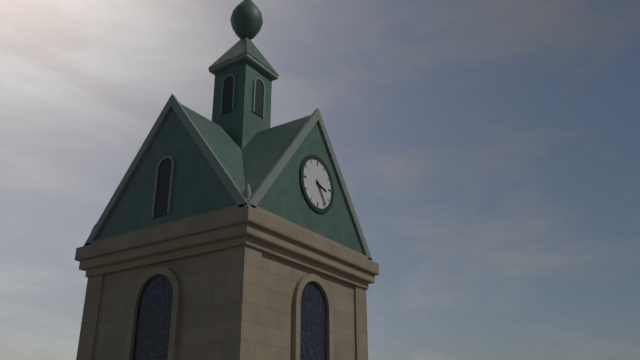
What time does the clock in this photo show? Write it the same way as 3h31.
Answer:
3h24
